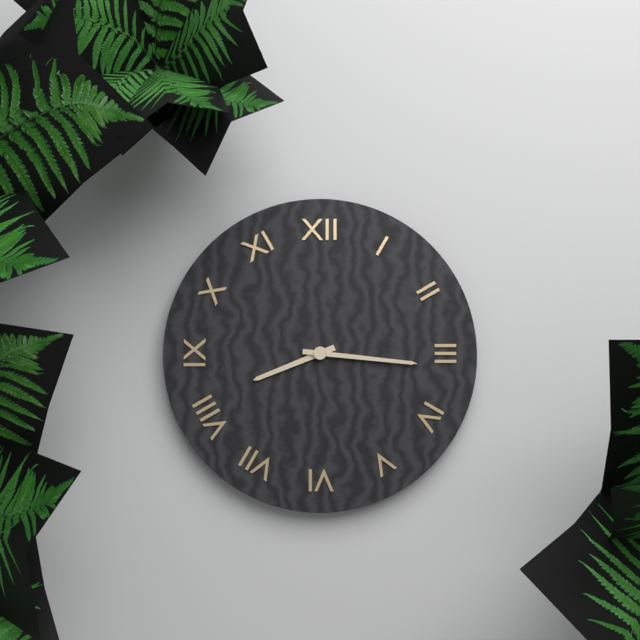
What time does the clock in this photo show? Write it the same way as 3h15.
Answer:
8h16
